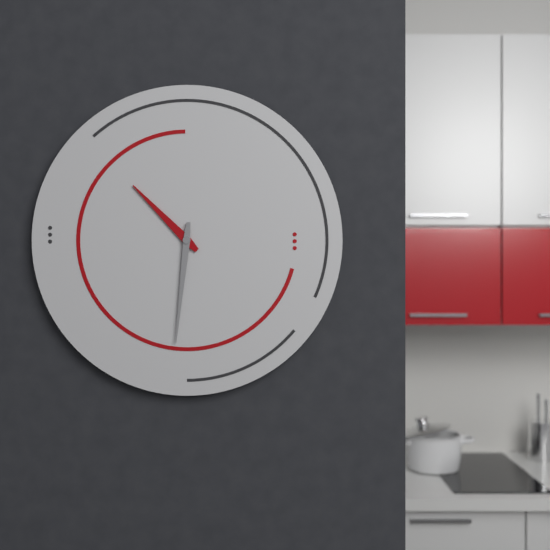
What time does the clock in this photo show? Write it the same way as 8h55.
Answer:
10h31
